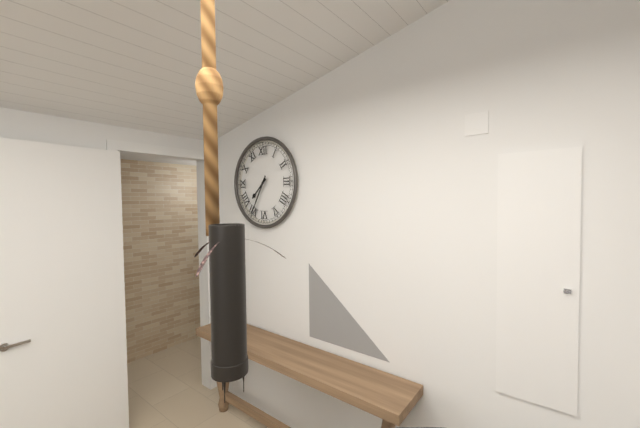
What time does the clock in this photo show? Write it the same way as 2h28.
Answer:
7h35
